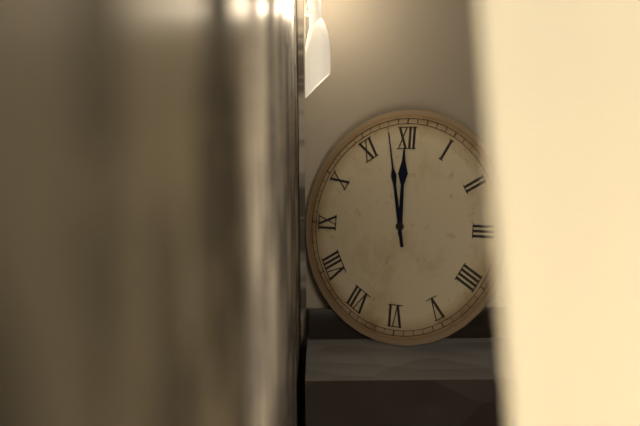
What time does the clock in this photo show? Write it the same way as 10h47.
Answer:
11h58
